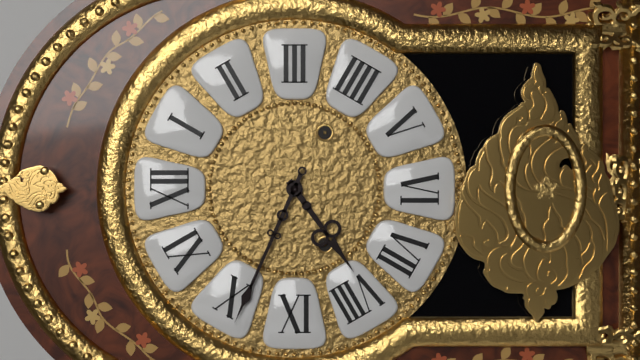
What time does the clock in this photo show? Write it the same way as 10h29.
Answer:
7h49
